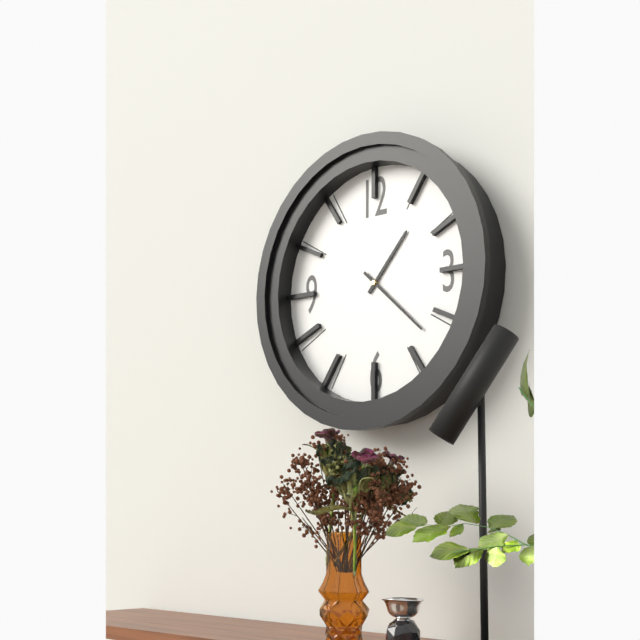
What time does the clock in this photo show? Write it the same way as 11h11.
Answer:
1h22
